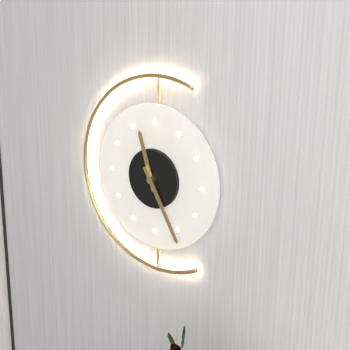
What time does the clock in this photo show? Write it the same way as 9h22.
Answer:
11h25
